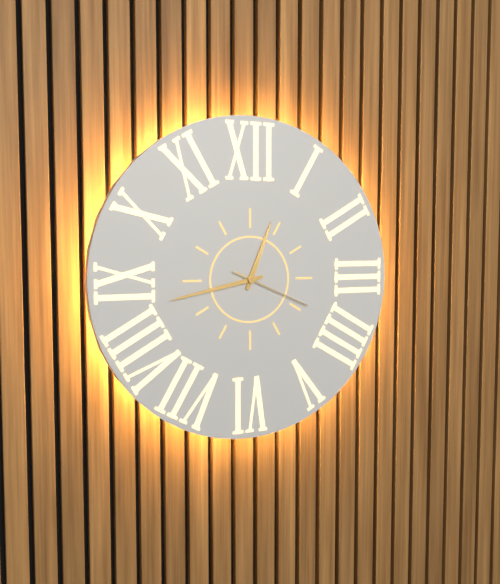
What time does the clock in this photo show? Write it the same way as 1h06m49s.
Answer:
12h43m19s
